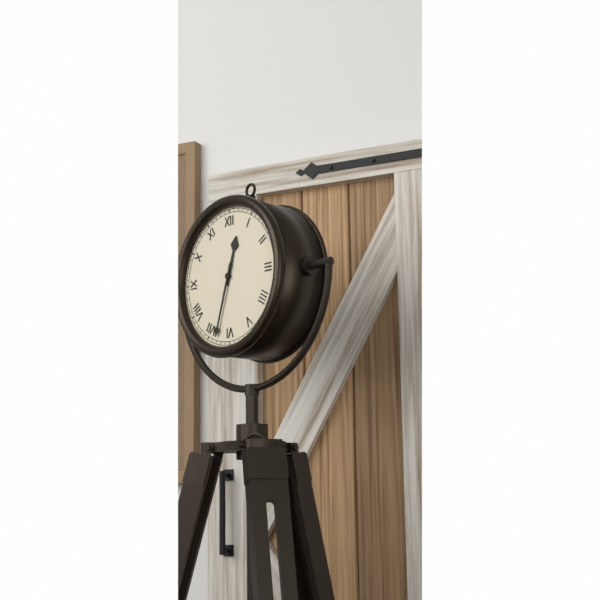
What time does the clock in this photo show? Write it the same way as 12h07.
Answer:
12h33
